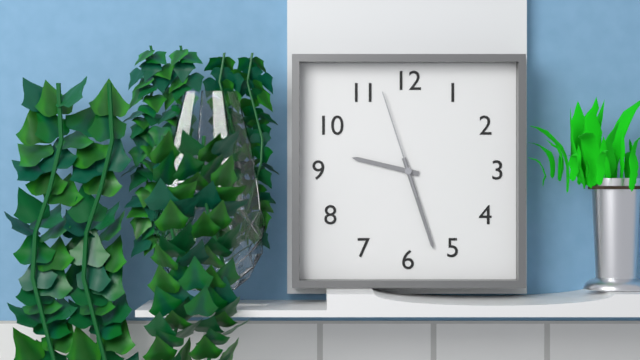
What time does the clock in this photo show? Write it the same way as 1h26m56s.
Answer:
9h27m57s
